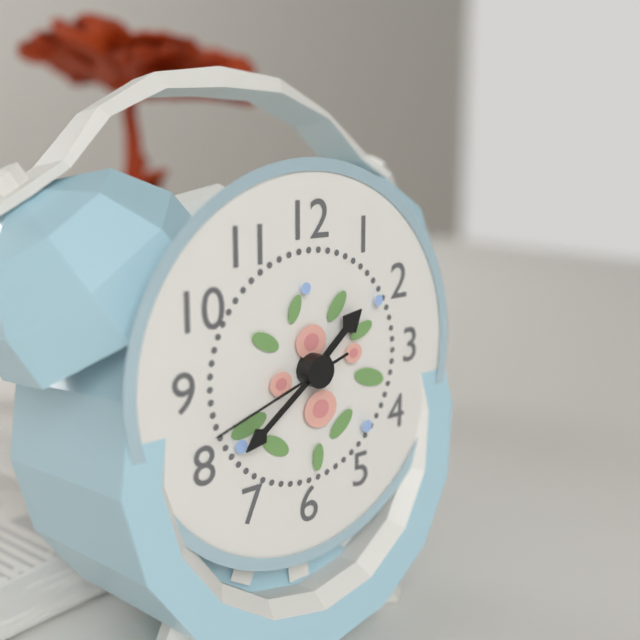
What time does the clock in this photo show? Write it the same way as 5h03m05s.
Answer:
1h39m42s
